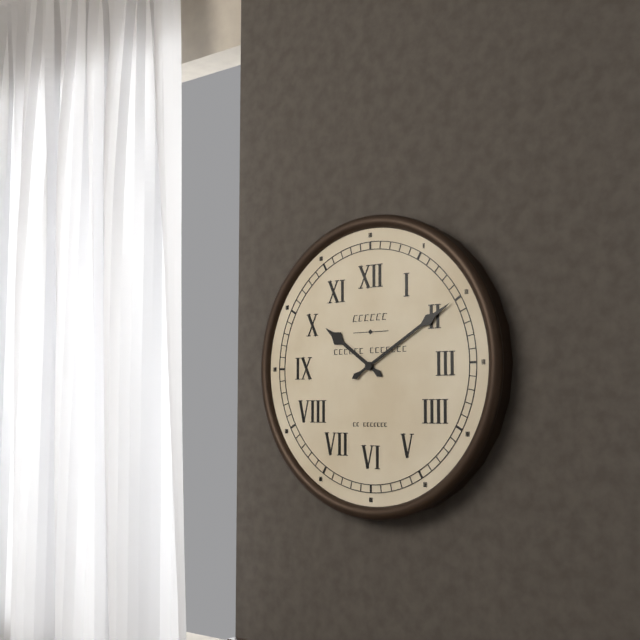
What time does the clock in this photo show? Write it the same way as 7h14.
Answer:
10h10
